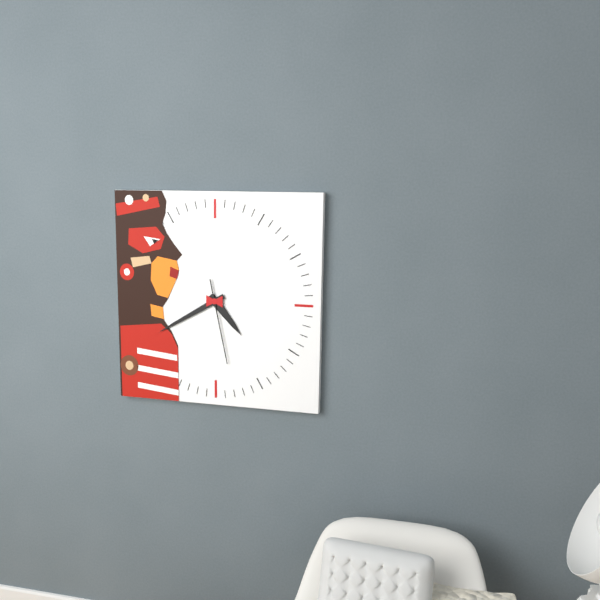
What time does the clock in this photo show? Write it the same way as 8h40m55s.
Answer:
4h40m28s
